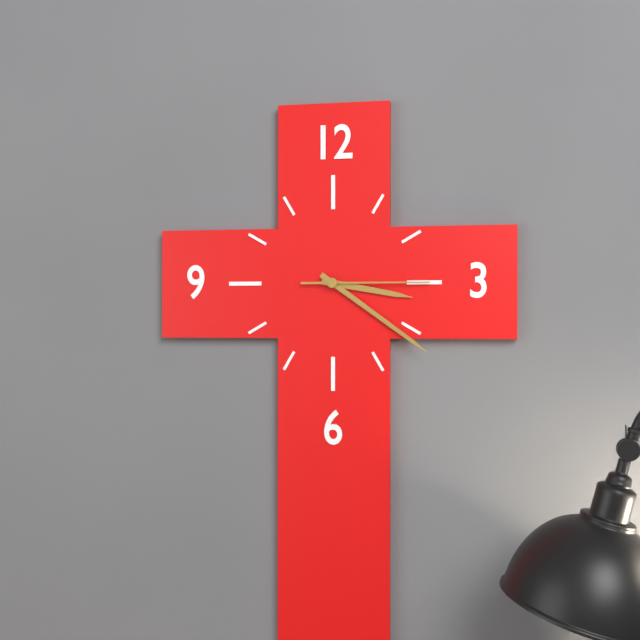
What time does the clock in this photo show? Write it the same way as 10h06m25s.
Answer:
3h21m15s
